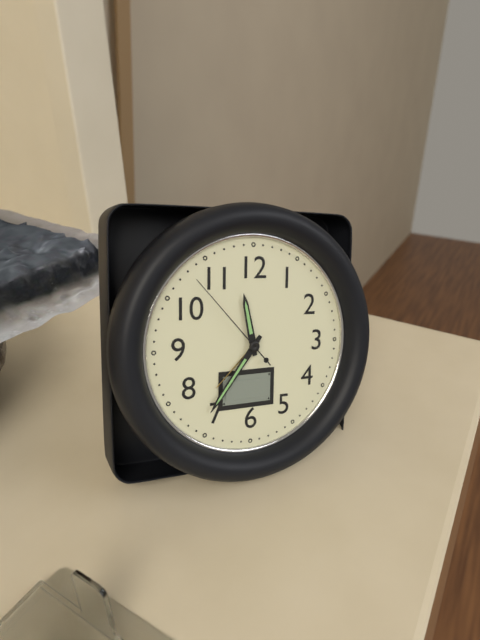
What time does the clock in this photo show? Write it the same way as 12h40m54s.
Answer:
11h36m53s
